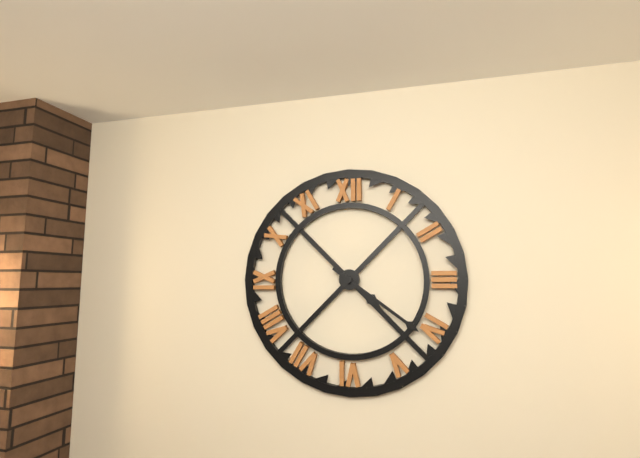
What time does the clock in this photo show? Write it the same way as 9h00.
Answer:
4h21
